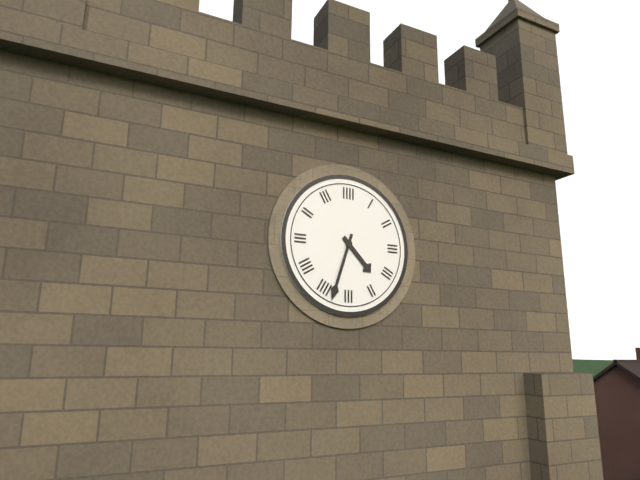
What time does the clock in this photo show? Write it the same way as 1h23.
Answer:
4h33
